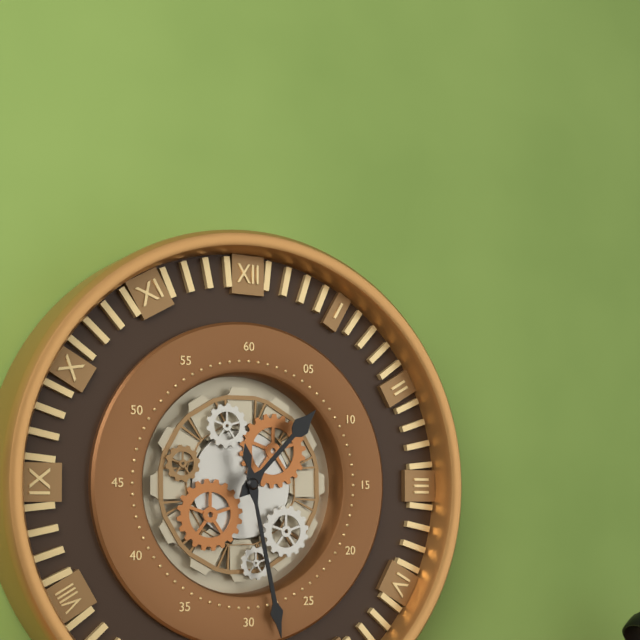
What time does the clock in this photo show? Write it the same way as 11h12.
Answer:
1h28
